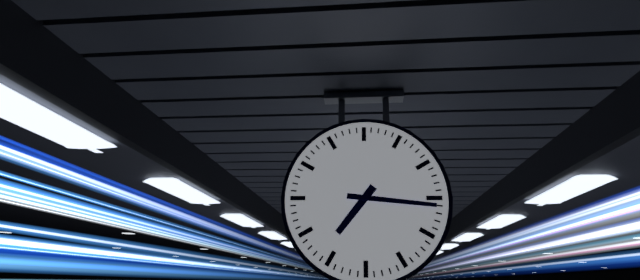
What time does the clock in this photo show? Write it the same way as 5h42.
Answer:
7h16
